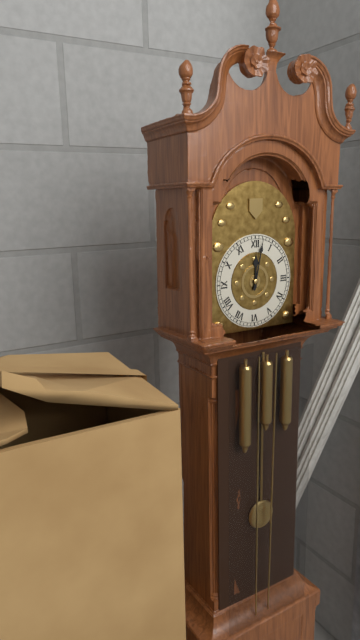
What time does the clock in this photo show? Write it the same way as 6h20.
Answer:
12h02
